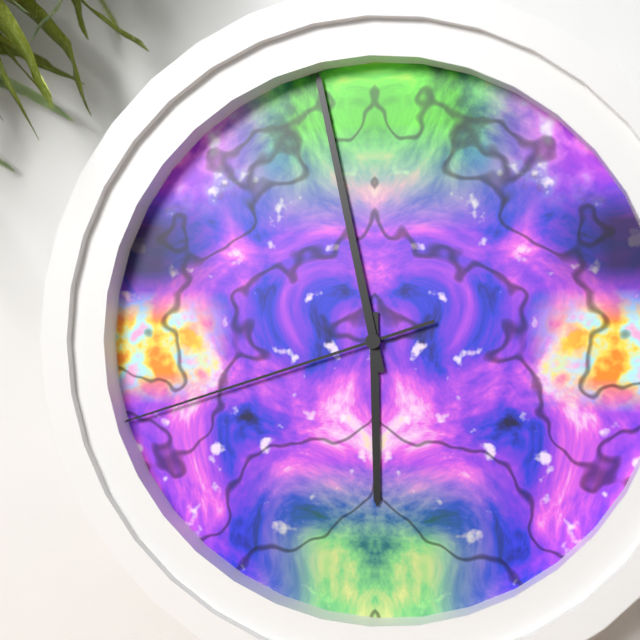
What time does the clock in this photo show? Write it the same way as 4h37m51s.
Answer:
5h58m42s
